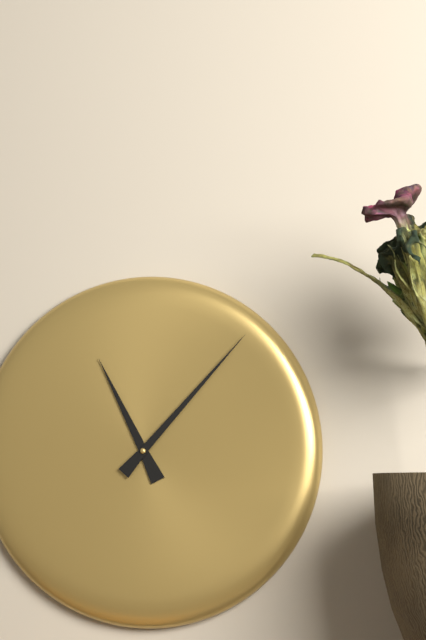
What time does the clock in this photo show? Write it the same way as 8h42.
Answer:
11h07
